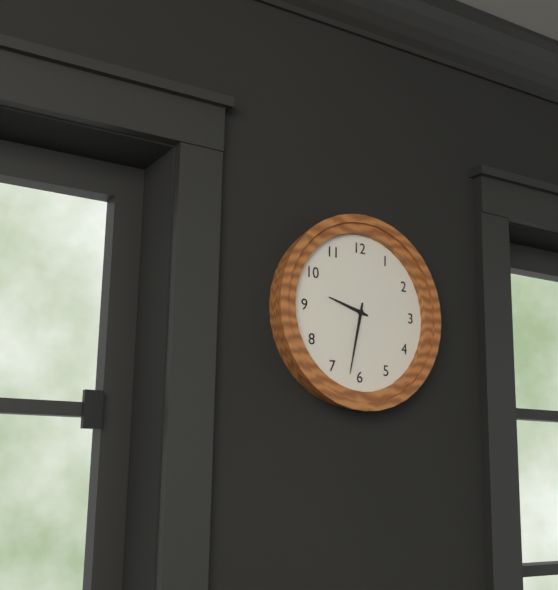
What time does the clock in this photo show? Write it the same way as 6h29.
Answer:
9h32
